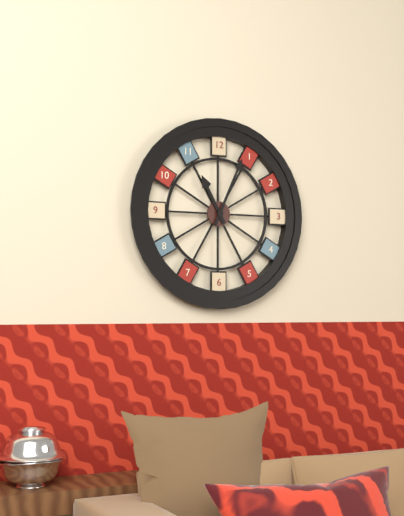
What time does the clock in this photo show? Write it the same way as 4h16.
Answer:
11h04
